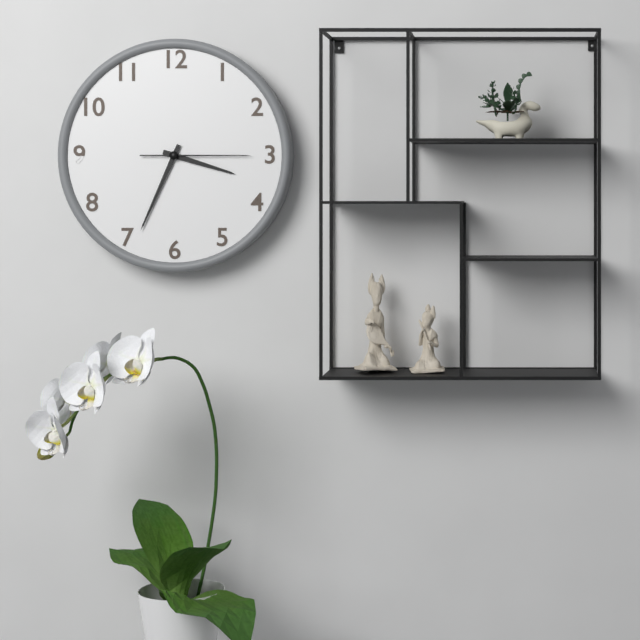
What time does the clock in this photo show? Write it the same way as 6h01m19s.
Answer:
3h34m15s
